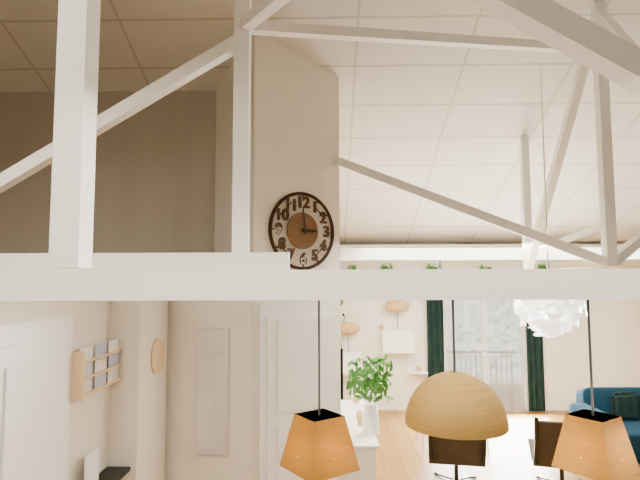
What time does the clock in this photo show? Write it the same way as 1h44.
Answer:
2h59
